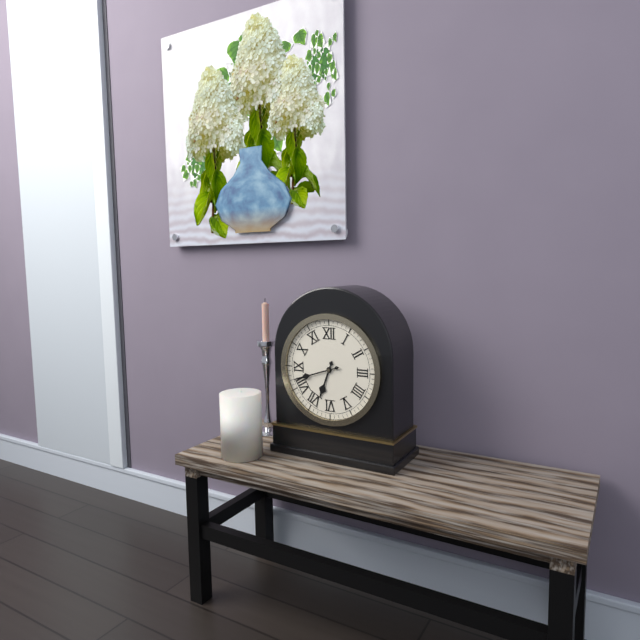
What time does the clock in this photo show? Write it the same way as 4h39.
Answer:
6h42
